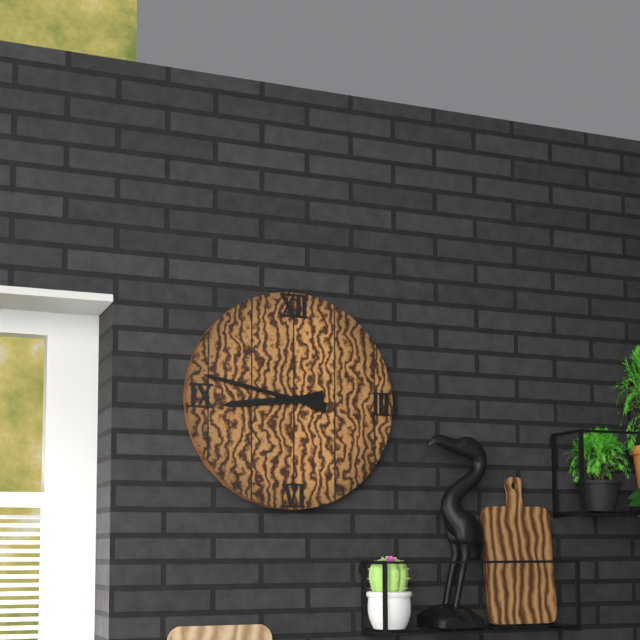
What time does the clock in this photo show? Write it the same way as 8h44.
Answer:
8h47
